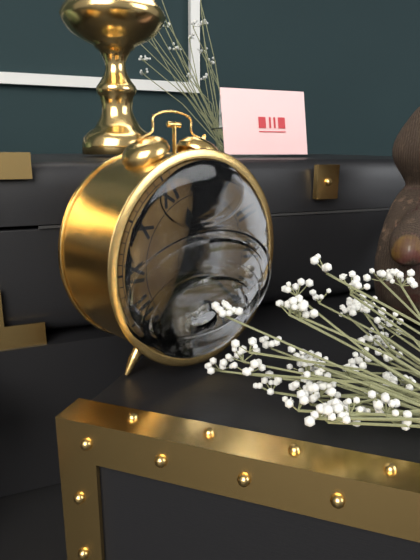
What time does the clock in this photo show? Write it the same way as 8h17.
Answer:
11h22
